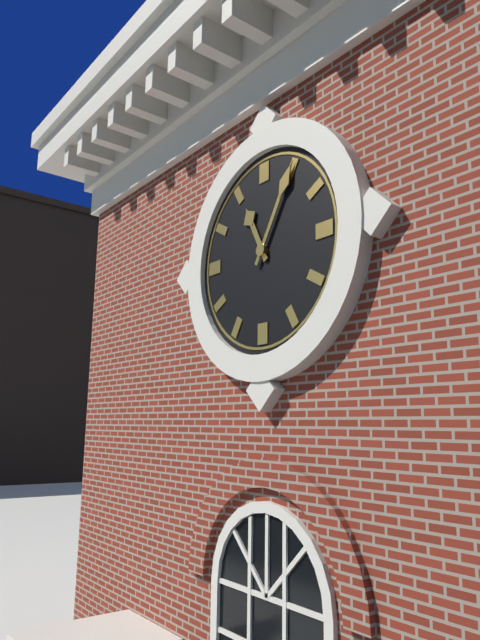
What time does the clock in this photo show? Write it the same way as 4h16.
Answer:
11h05
